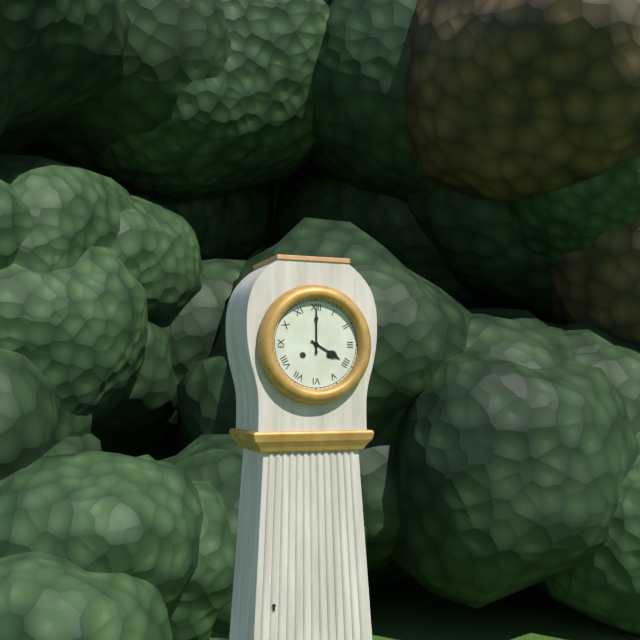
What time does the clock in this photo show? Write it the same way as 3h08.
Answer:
4h00
